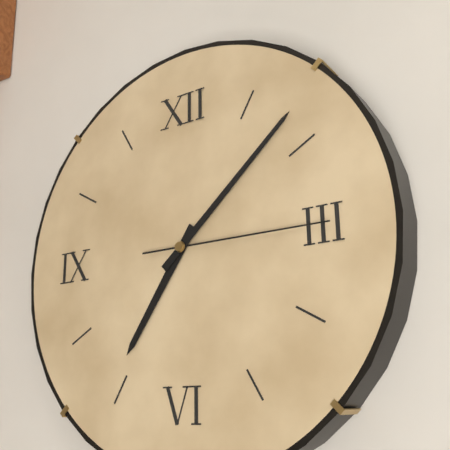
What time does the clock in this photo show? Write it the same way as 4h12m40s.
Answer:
7h08m15s
